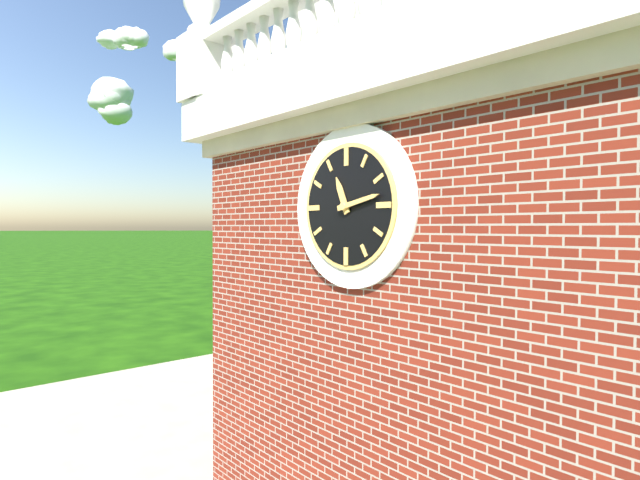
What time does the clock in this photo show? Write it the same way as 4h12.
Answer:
11h13
